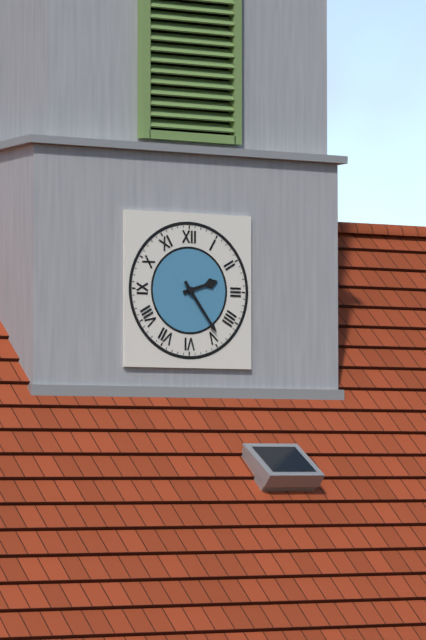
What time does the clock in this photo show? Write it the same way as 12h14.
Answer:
2h24
